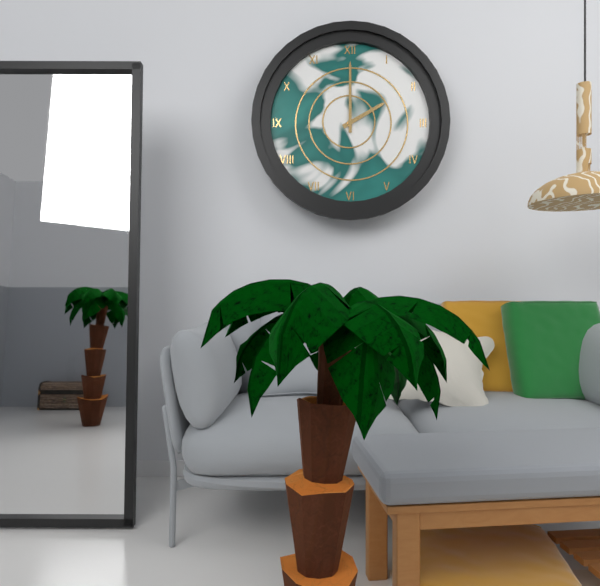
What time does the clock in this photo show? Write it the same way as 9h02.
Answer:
2h00
